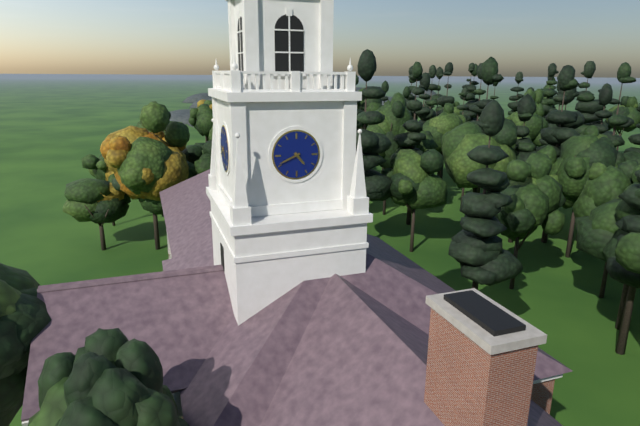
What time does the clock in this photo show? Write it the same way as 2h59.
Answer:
4h41
